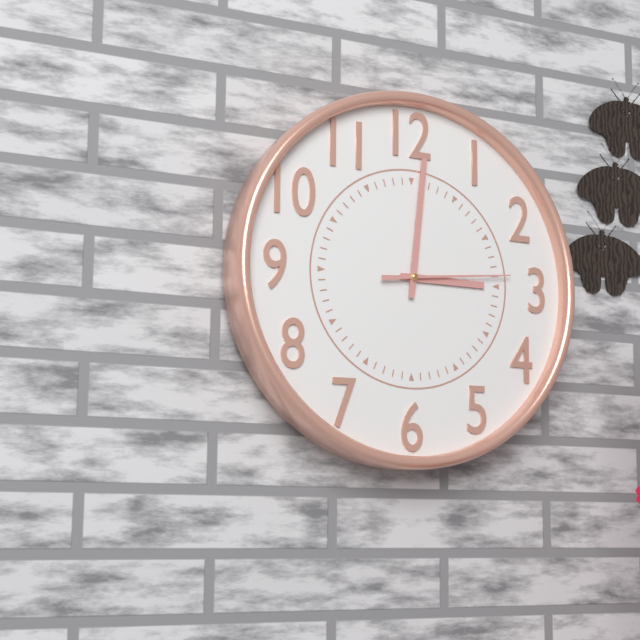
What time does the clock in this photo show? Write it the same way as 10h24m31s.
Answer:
3h01m14s
